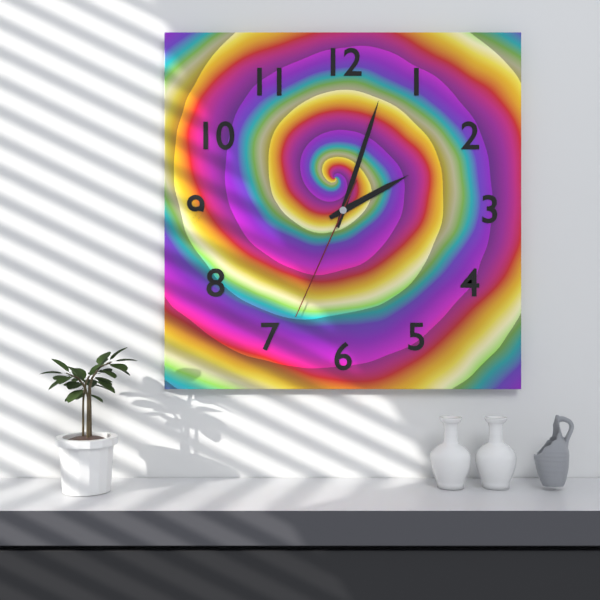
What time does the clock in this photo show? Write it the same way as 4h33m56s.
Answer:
2h03m34s
